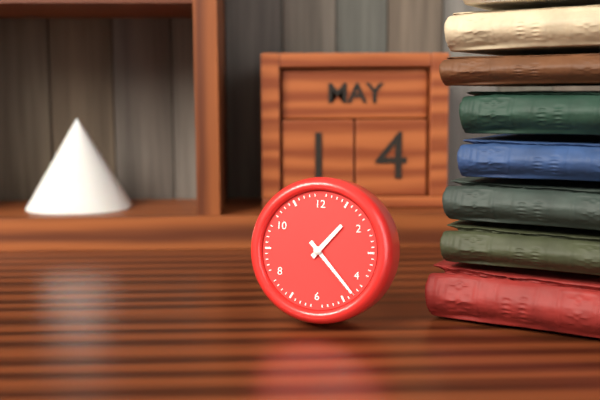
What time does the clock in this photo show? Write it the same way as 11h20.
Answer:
1h23
